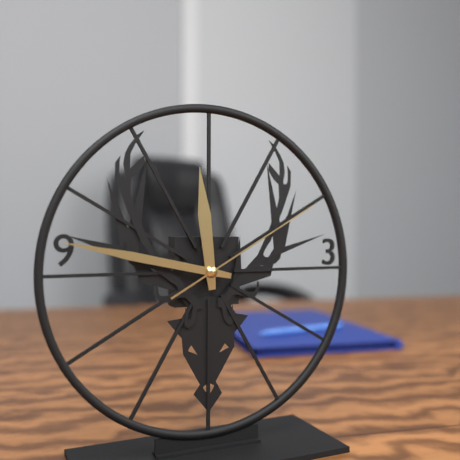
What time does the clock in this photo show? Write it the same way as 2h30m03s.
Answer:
11h47m10s
